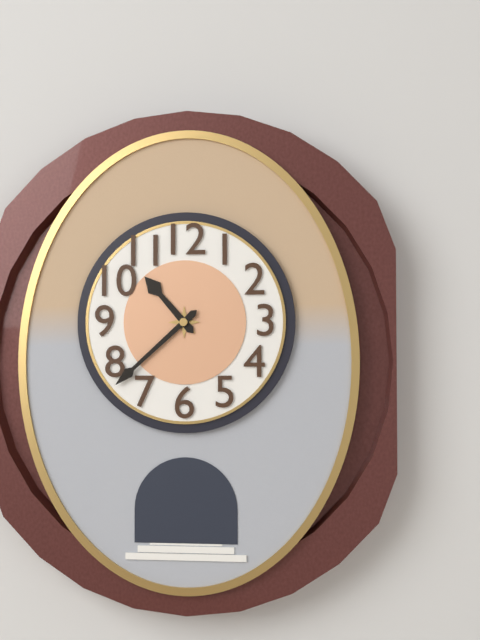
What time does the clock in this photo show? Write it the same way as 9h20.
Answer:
10h38
